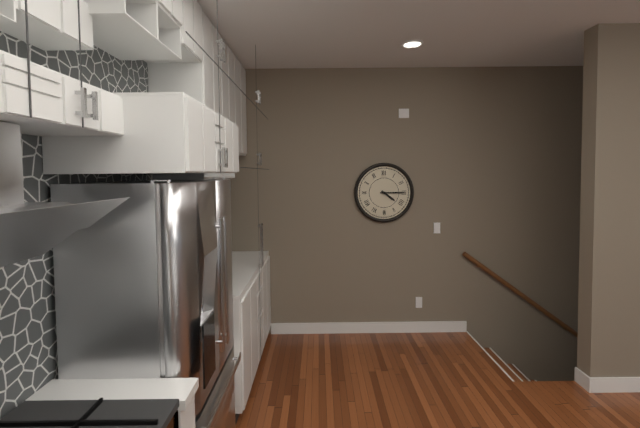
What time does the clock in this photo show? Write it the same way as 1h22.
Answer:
4h15
